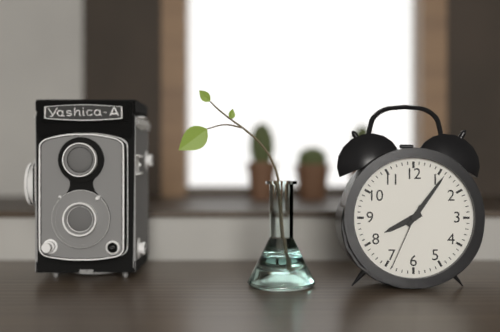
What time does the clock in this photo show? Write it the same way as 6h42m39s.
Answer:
8h06m34s
